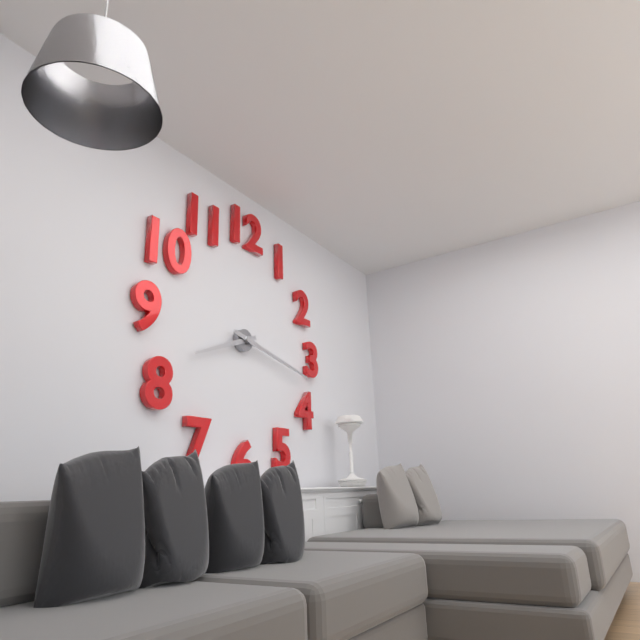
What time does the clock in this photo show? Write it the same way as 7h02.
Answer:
8h17
